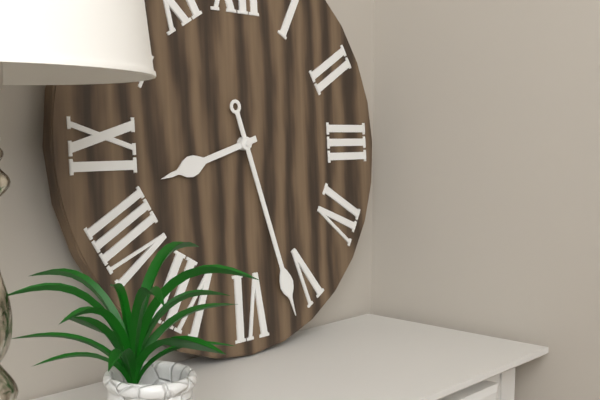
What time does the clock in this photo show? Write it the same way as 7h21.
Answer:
8h27
